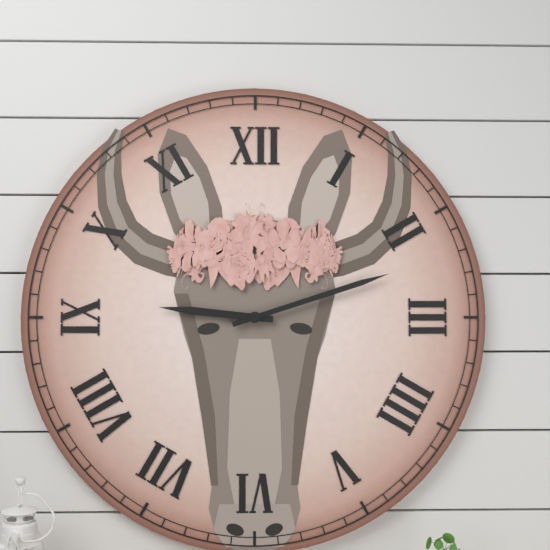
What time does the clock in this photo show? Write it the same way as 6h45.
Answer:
9h12
